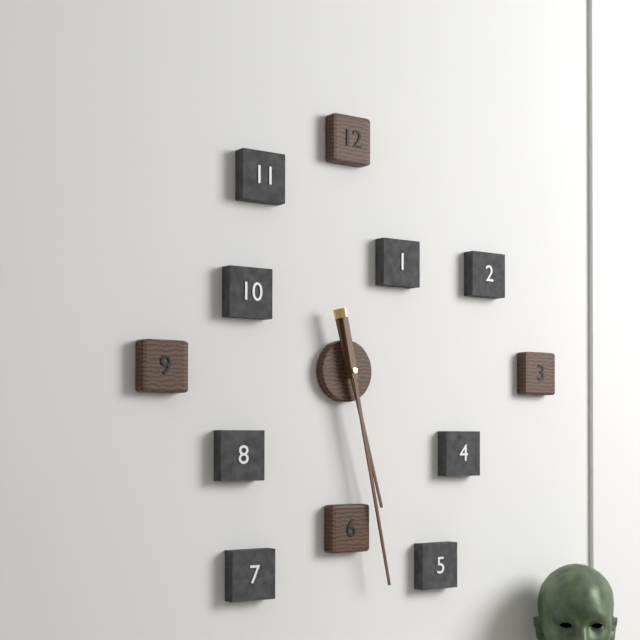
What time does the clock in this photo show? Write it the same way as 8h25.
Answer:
5h28
